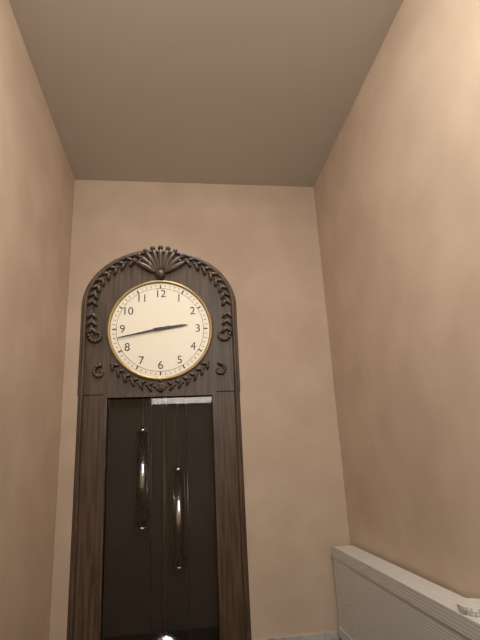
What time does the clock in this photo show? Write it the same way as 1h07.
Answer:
2h43
